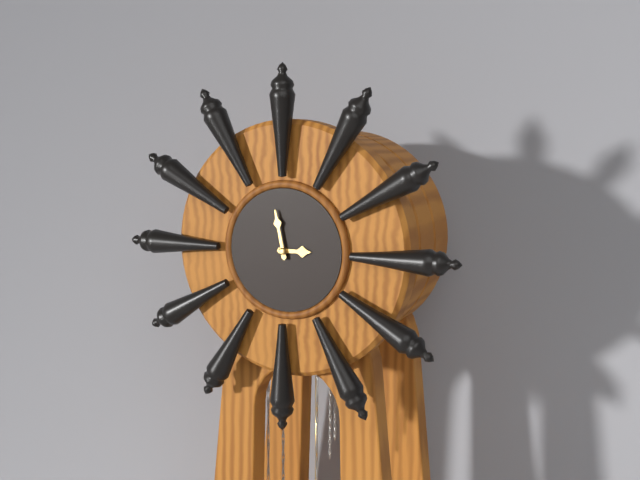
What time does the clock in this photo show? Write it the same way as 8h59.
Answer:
2h58
